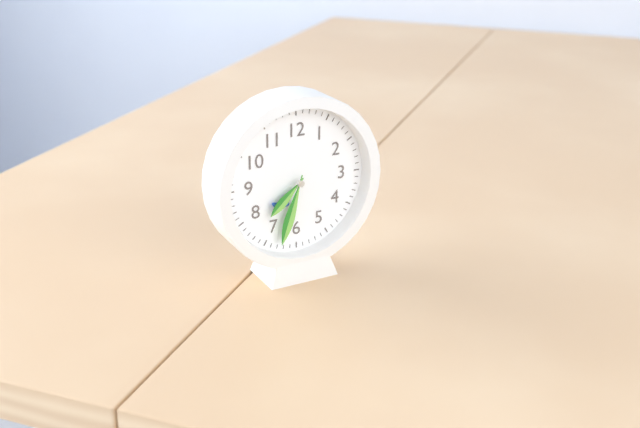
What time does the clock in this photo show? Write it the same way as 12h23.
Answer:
7h33
